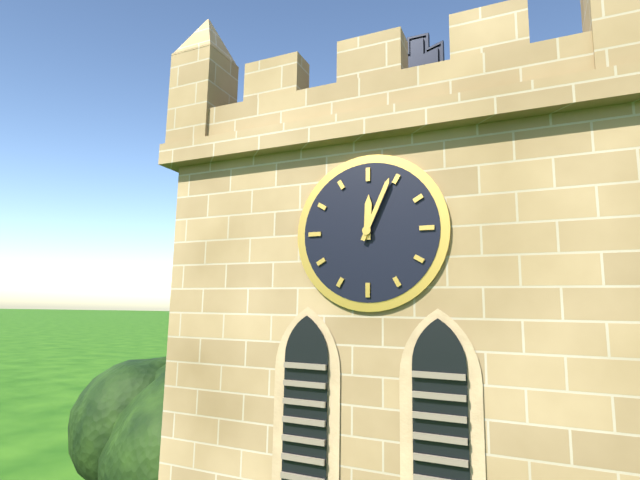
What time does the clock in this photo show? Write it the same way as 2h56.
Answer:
12h04
